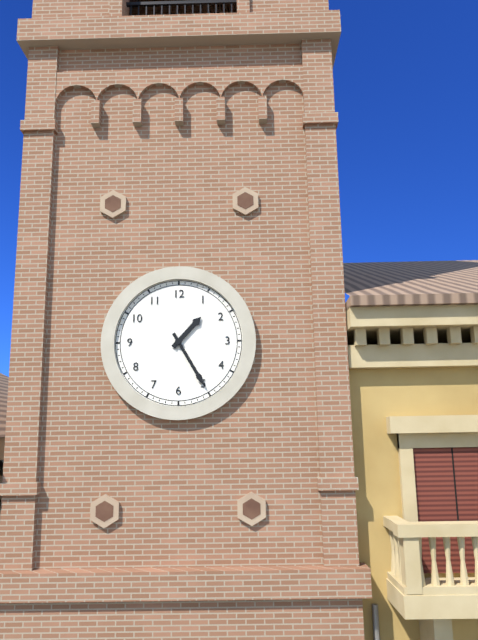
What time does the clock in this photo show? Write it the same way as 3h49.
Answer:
1h25
